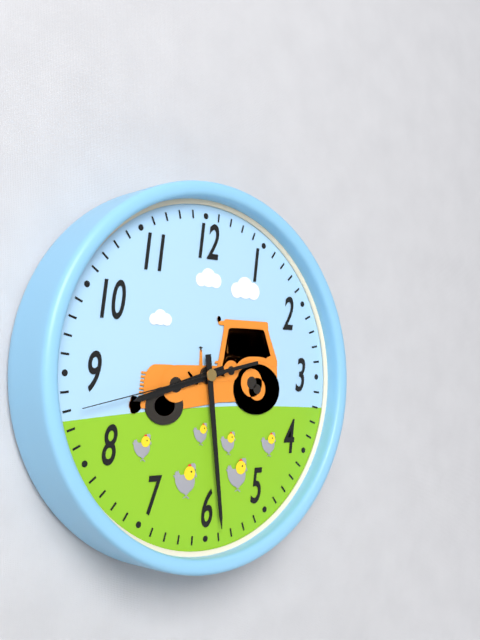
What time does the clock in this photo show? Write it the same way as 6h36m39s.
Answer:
8h29m43s
